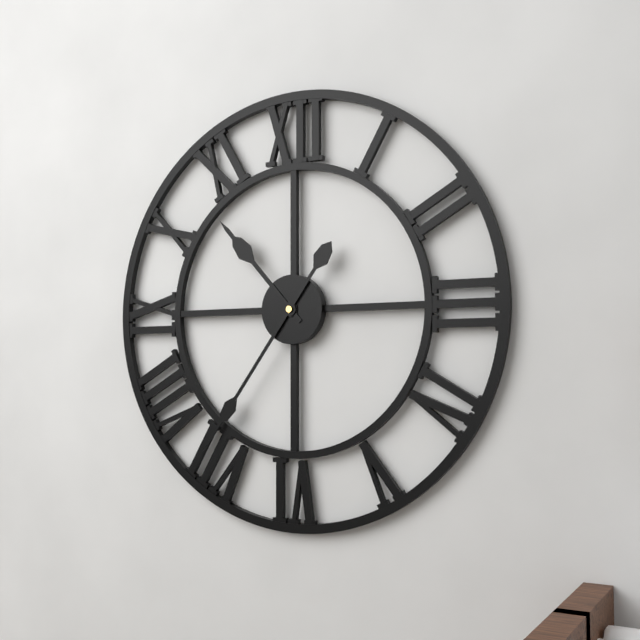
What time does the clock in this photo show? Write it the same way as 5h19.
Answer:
10h36
